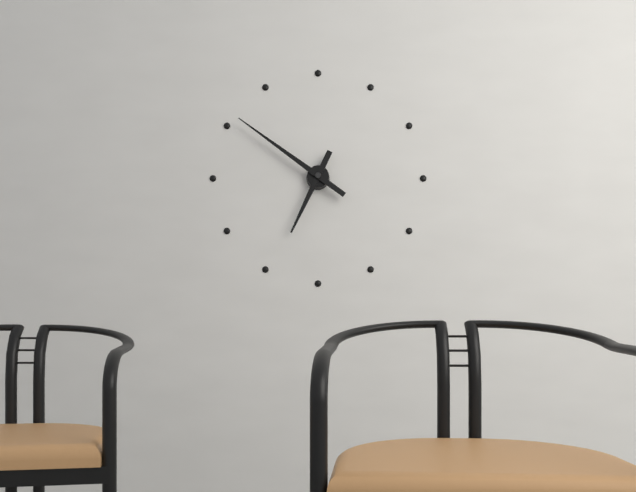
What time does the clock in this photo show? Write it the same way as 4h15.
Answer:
6h51
